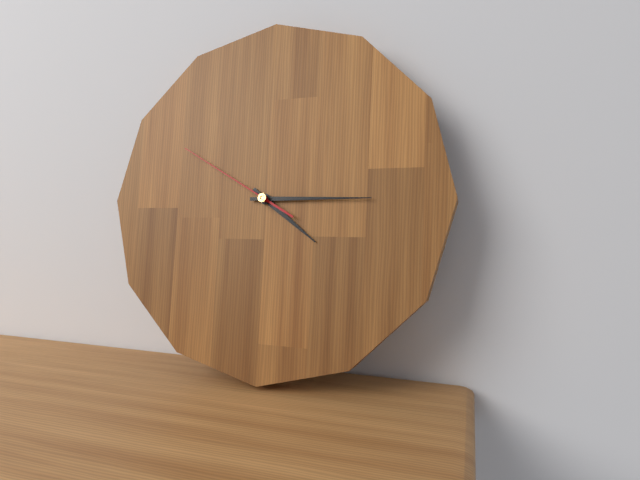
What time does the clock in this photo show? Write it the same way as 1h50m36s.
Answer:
4h15m50s
